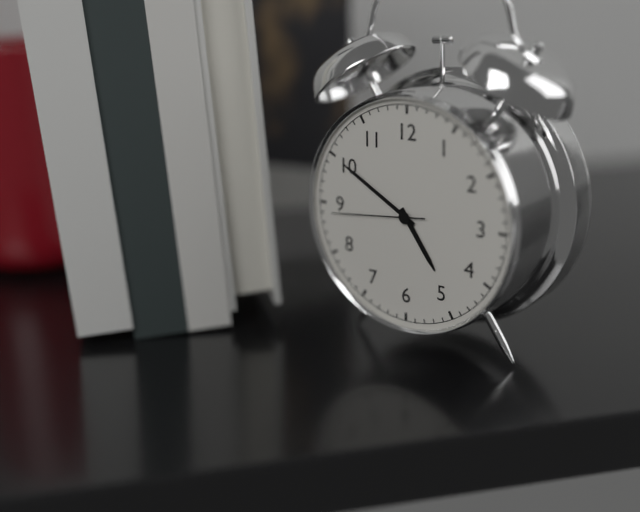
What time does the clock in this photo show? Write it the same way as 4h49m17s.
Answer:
4h50m44s
